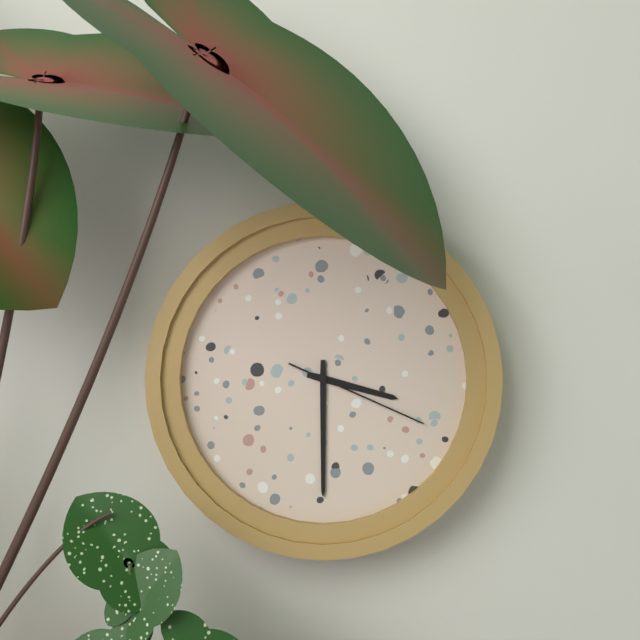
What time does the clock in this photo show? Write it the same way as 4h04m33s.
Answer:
3h30m19s
